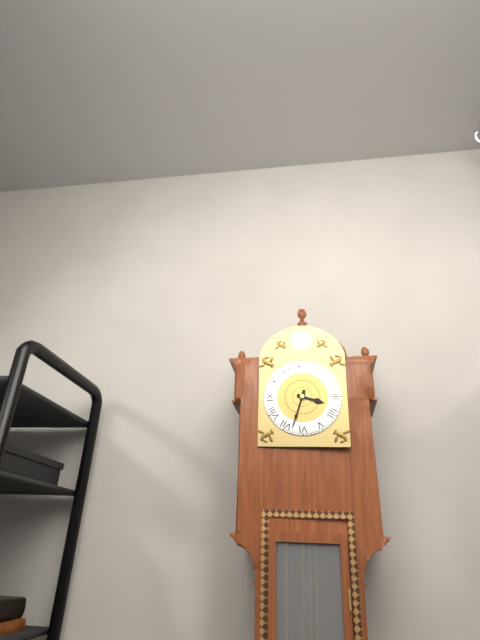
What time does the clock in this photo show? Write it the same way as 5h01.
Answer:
3h33
